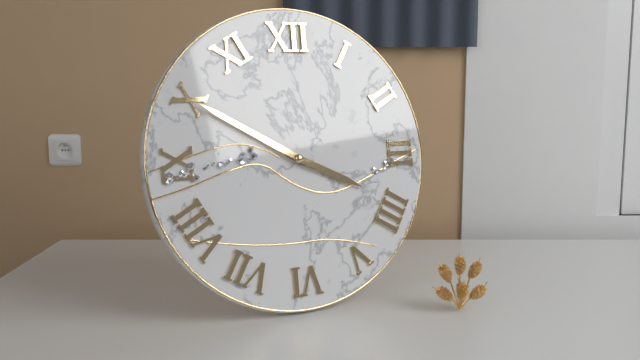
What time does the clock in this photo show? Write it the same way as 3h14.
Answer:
3h50
